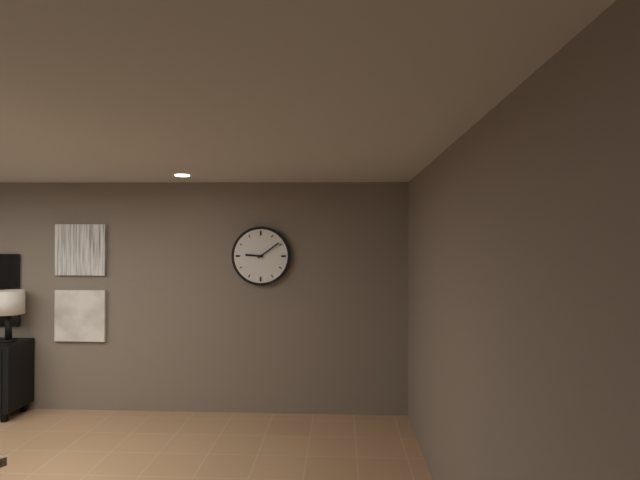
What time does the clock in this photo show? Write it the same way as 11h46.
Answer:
9h09
